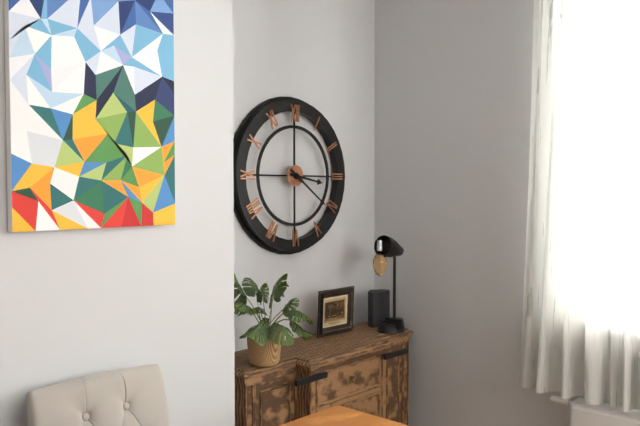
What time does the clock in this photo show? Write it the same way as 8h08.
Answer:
3h21
